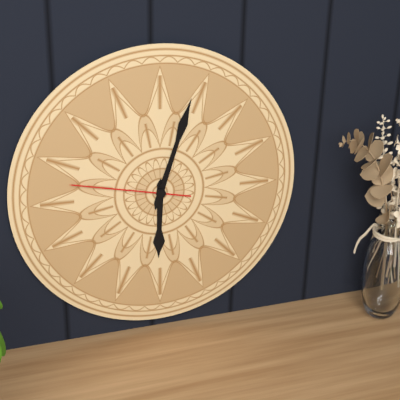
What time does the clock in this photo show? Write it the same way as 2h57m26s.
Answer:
6h03m47s
